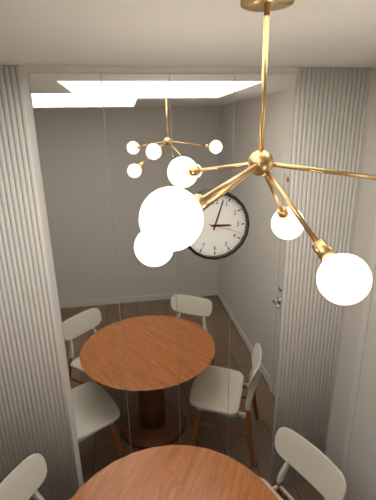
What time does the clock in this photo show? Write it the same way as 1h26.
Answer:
3h03
